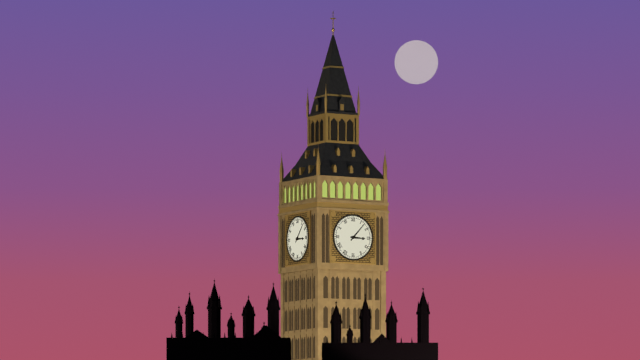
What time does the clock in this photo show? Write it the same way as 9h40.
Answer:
3h07
